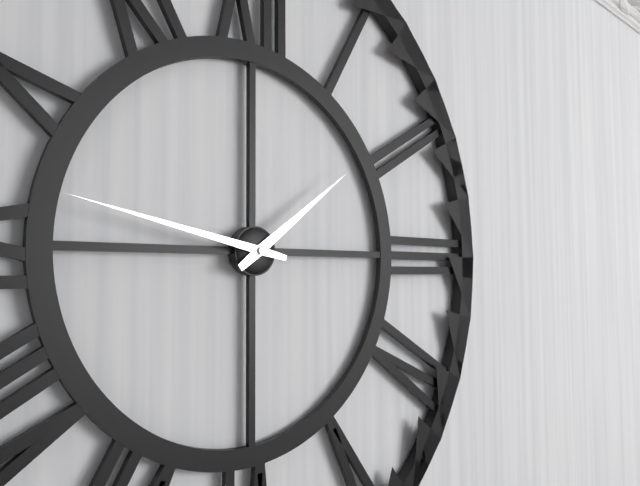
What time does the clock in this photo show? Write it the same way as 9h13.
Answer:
1h47
